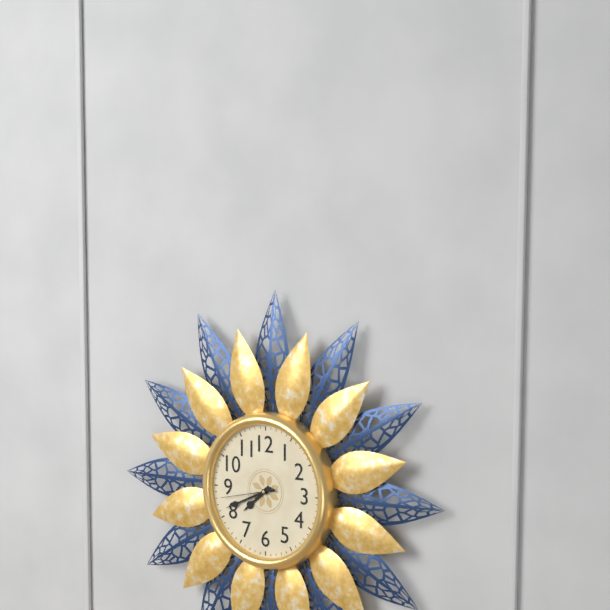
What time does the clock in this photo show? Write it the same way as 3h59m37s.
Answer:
7h41m43s
